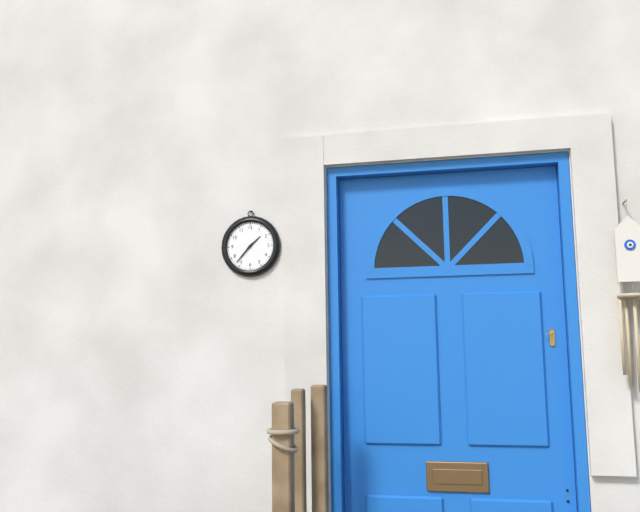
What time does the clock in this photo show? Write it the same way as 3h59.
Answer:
1h37
